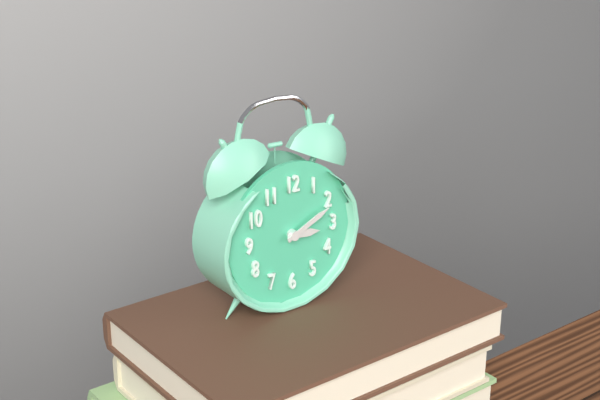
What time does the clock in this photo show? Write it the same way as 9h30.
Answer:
3h11
